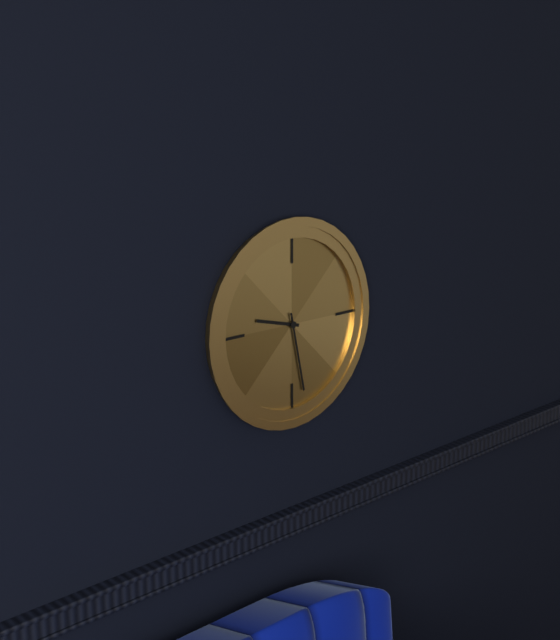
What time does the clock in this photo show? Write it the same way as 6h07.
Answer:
9h28
